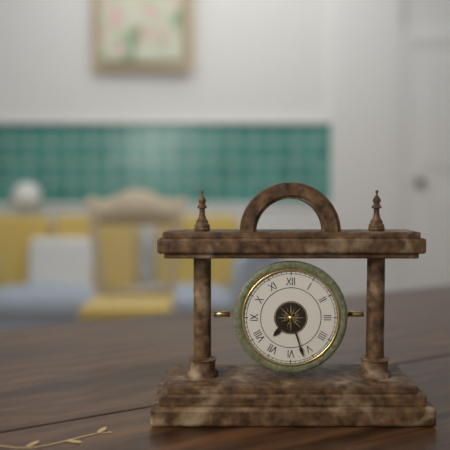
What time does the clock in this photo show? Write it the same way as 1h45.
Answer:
7h27
